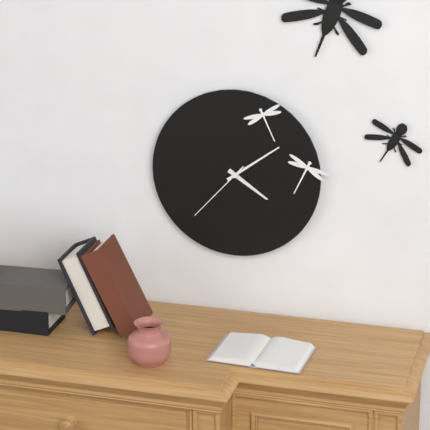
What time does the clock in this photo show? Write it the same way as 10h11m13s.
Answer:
4h09m37s
